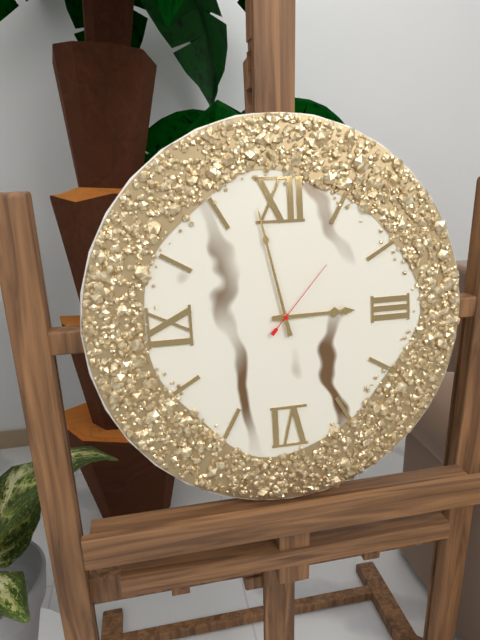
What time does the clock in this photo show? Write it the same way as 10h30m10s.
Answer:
2h58m07s
